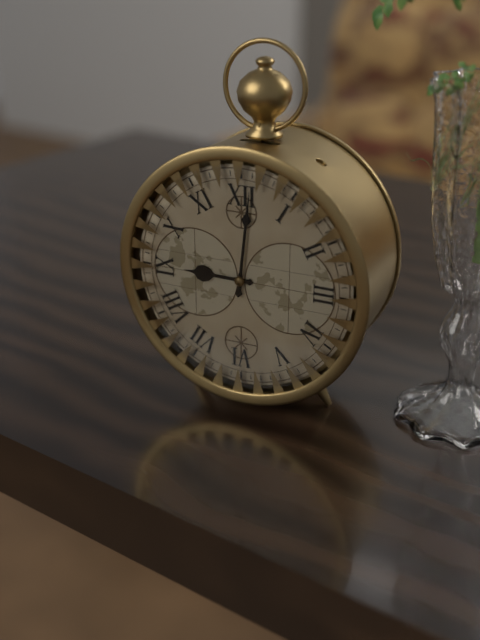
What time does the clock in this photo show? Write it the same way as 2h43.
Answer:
9h01
